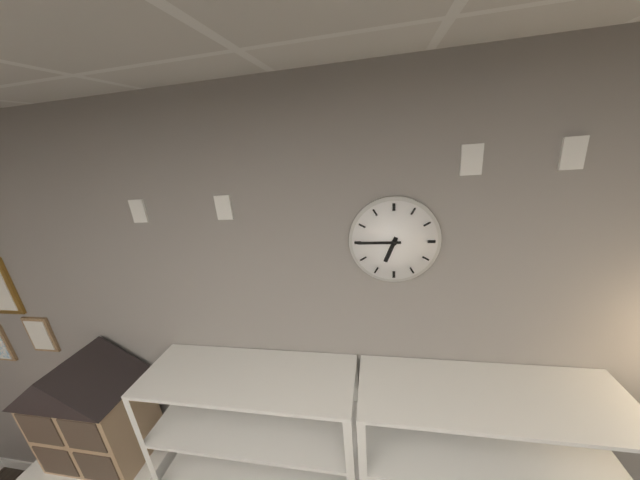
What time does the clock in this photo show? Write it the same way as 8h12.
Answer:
6h45
